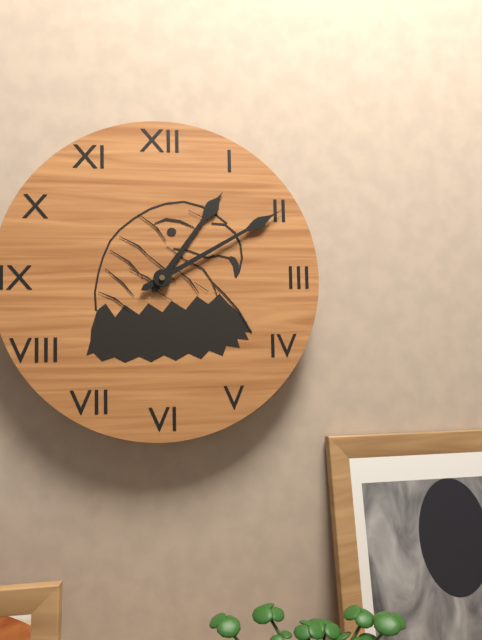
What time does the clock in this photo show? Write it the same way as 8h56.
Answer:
1h10
